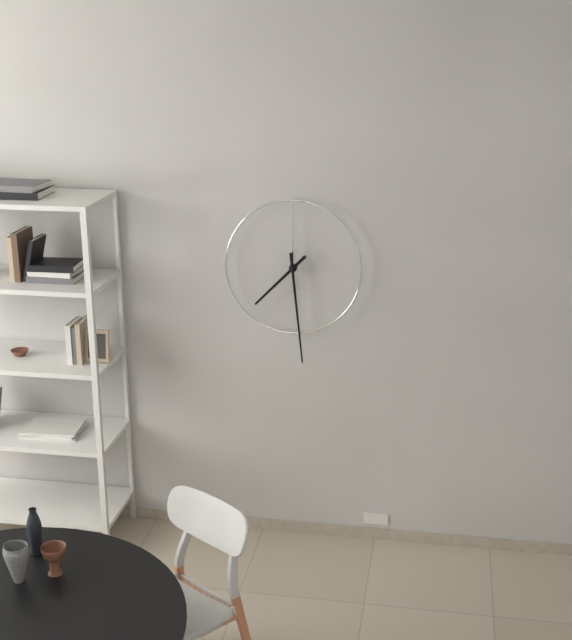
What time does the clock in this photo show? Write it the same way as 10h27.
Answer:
7h29
